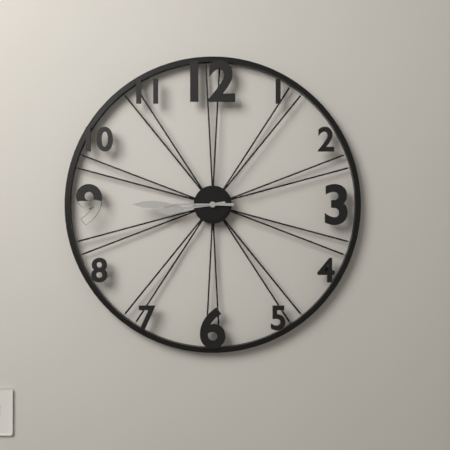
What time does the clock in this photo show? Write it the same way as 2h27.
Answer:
8h45
